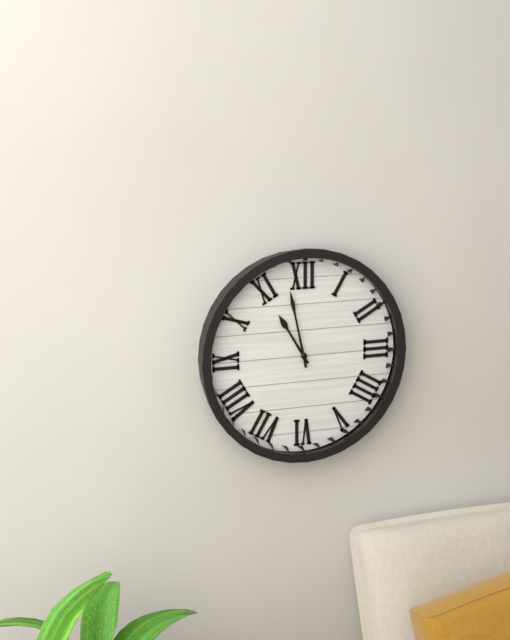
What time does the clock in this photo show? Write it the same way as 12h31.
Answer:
10h58
